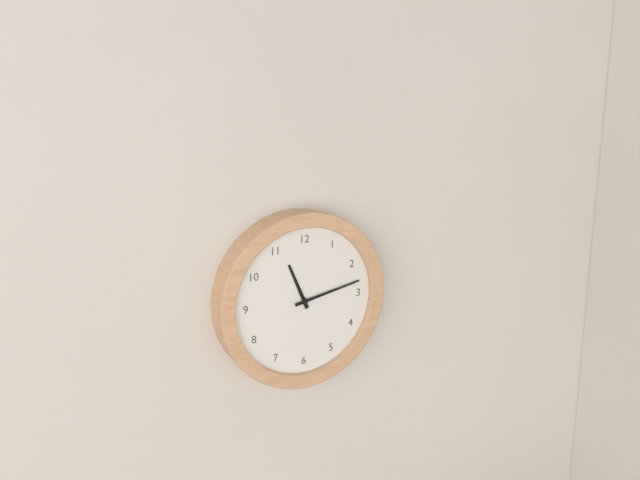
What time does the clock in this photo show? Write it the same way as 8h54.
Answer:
11h13
